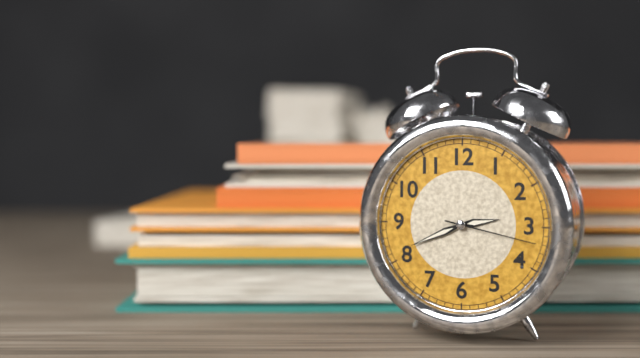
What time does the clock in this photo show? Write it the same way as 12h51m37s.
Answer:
2h41m17s
